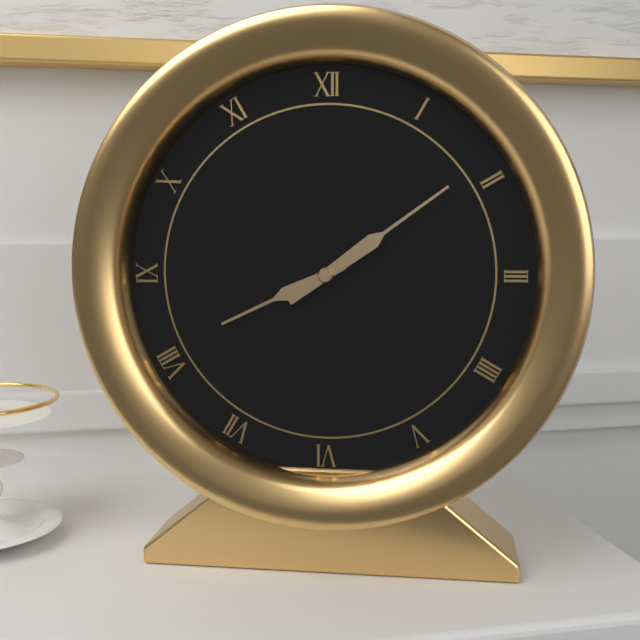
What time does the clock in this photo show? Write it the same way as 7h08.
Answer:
8h09
